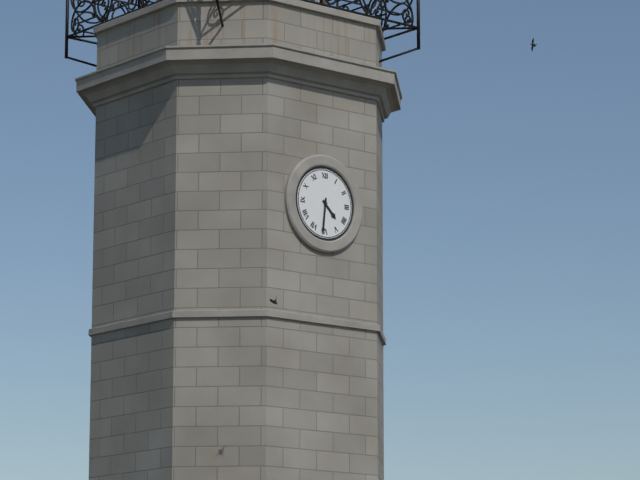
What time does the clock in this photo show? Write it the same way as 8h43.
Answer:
4h31
